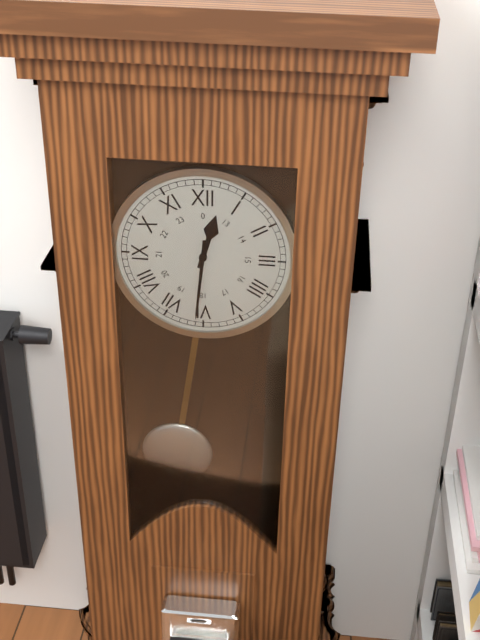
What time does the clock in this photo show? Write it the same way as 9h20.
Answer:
12h31
